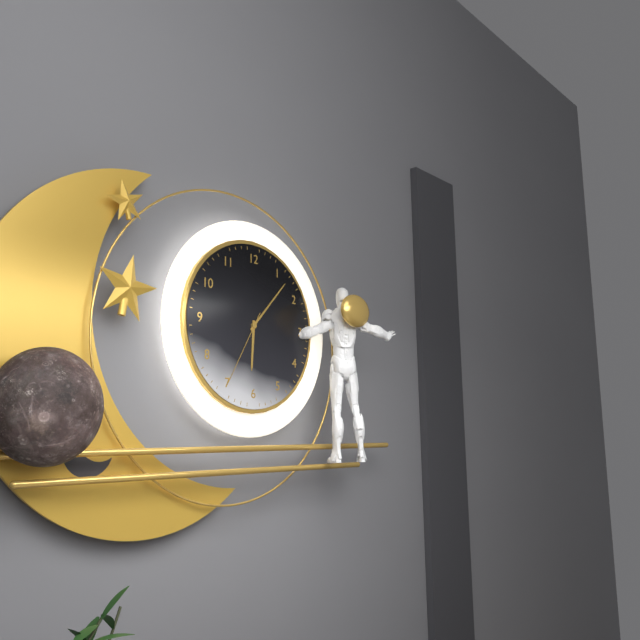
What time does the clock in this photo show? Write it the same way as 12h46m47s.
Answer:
6h07m35s
